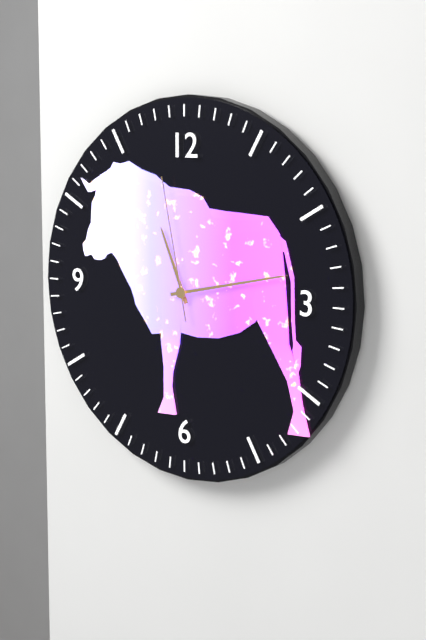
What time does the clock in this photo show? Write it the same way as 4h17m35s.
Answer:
11h13m58s
